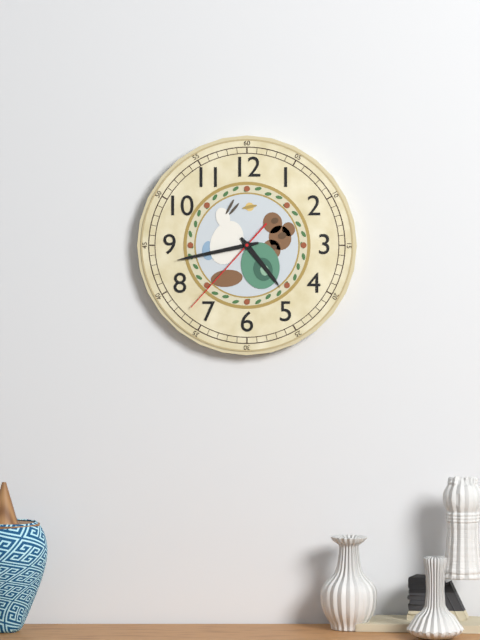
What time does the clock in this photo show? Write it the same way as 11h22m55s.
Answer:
4h43m37s
